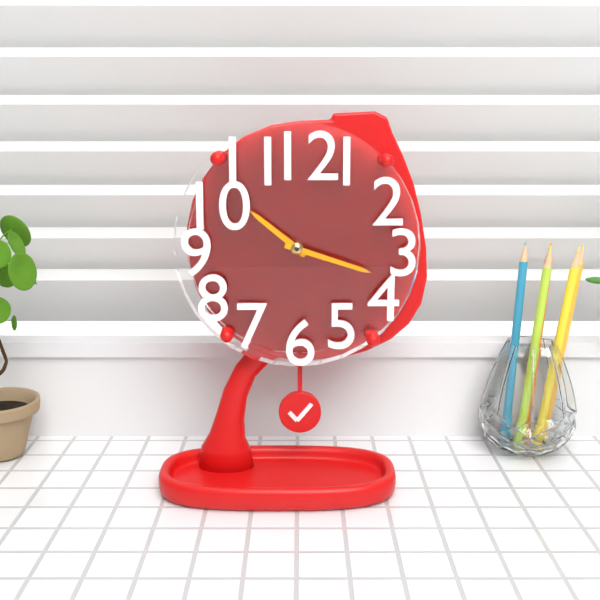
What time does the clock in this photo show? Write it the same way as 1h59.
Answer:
10h18
